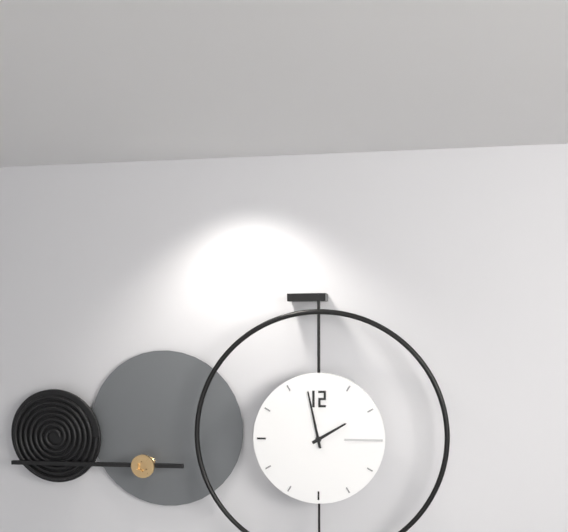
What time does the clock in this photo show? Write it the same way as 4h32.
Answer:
1h58
